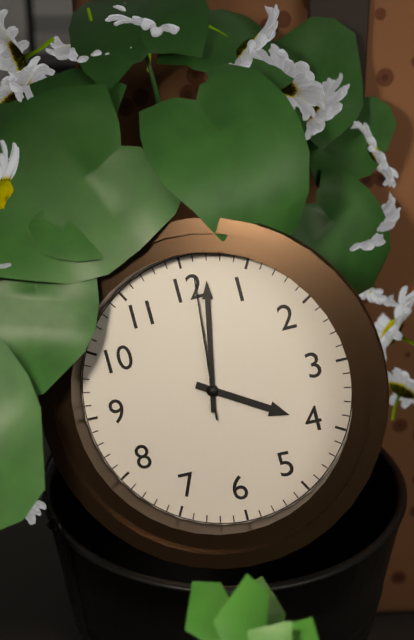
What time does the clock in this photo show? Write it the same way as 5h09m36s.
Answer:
4h02m01s
